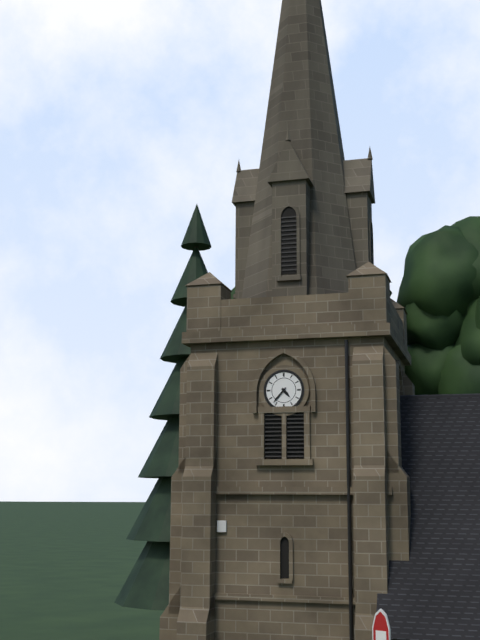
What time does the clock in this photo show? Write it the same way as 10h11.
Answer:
4h37
